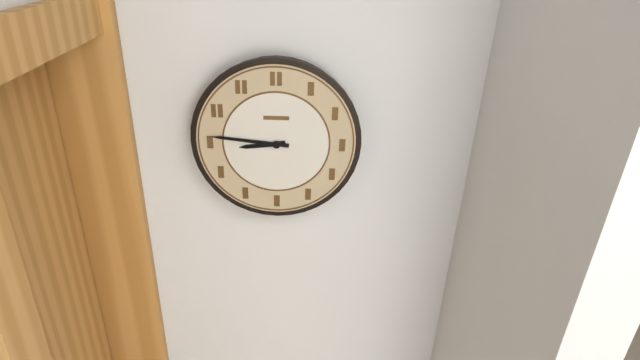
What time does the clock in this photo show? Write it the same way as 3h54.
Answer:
8h46
